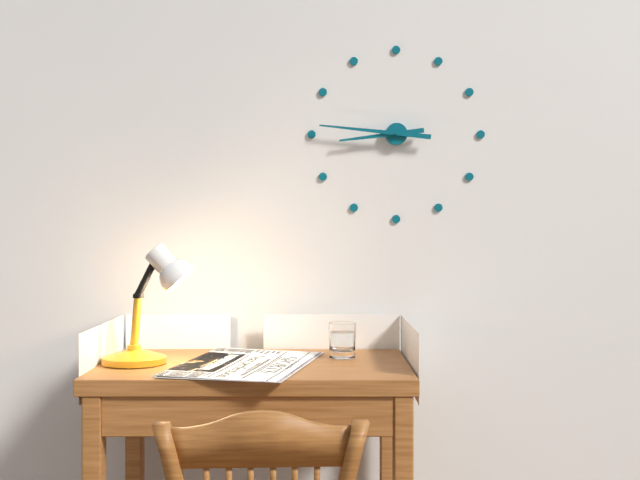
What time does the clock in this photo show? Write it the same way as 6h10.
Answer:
8h46
